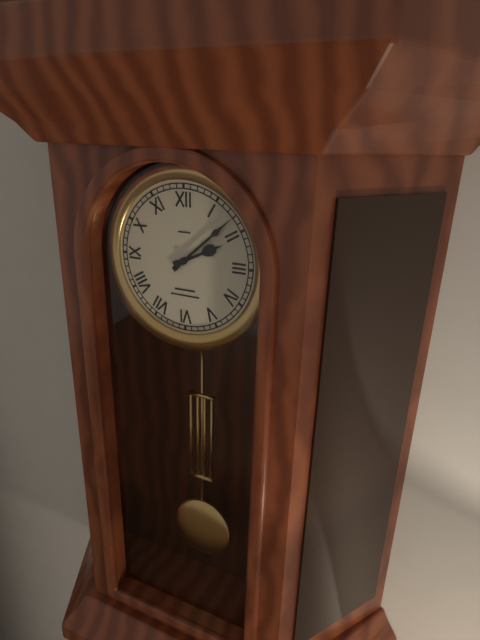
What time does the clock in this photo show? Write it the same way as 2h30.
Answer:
2h08
